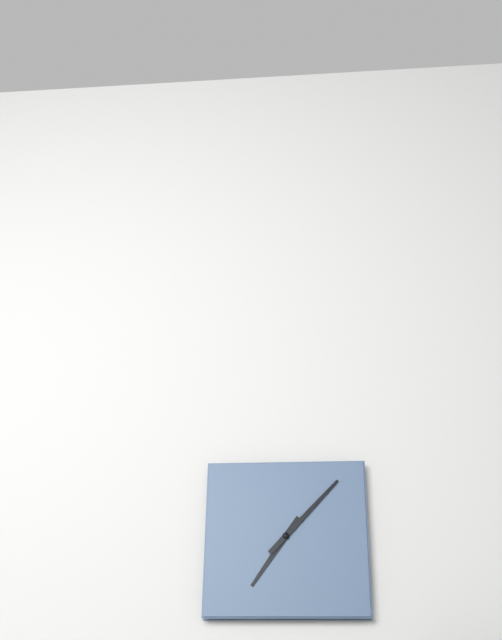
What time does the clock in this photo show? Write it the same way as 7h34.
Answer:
7h07
